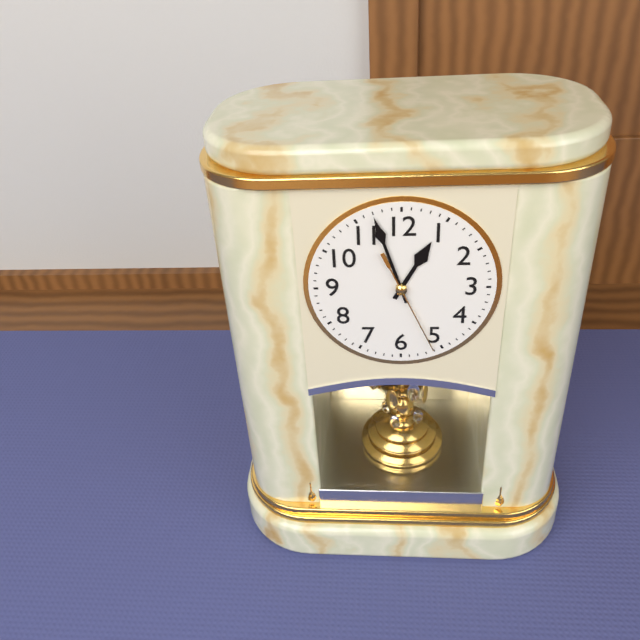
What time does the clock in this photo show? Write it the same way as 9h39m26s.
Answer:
12h57m26s
